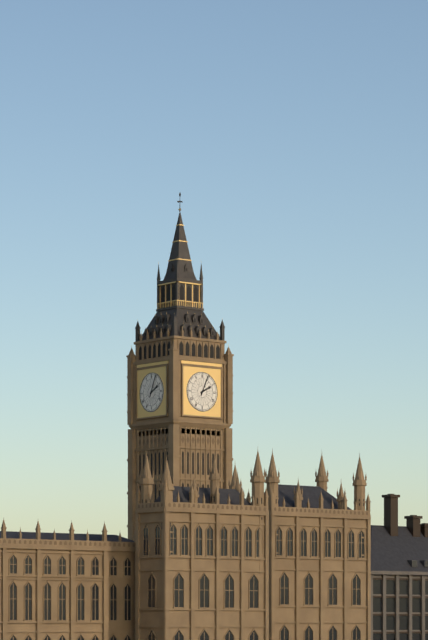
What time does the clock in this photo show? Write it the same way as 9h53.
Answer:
2h04
